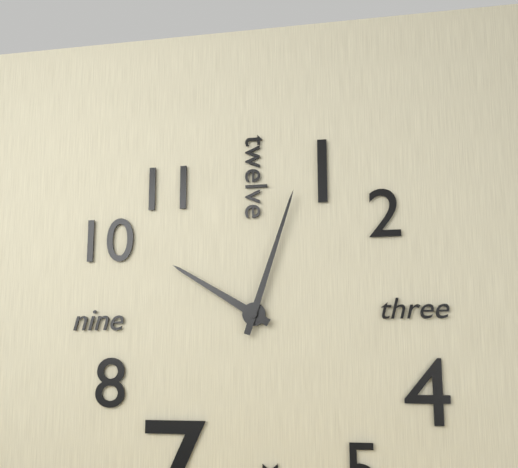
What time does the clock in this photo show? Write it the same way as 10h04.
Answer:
10h03
